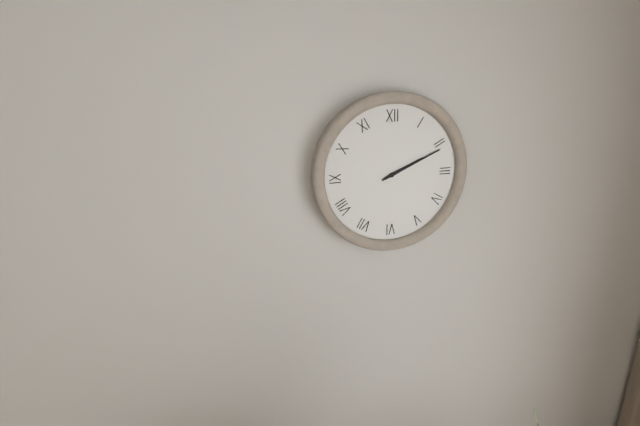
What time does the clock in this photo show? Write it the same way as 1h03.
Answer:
2h11
